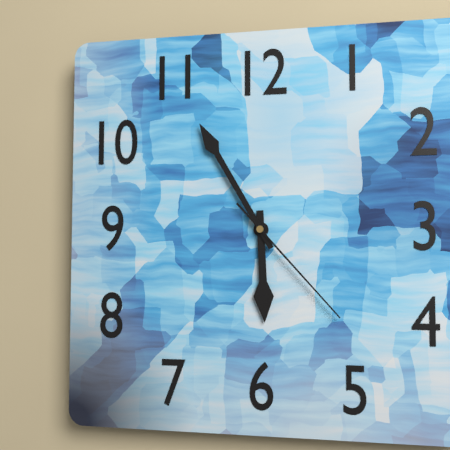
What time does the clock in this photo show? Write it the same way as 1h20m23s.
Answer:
5h55m23s
